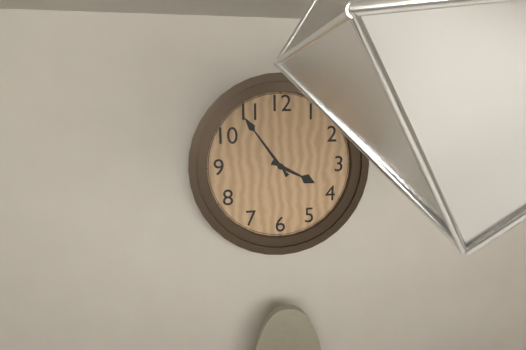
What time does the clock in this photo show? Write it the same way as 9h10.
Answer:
3h54
